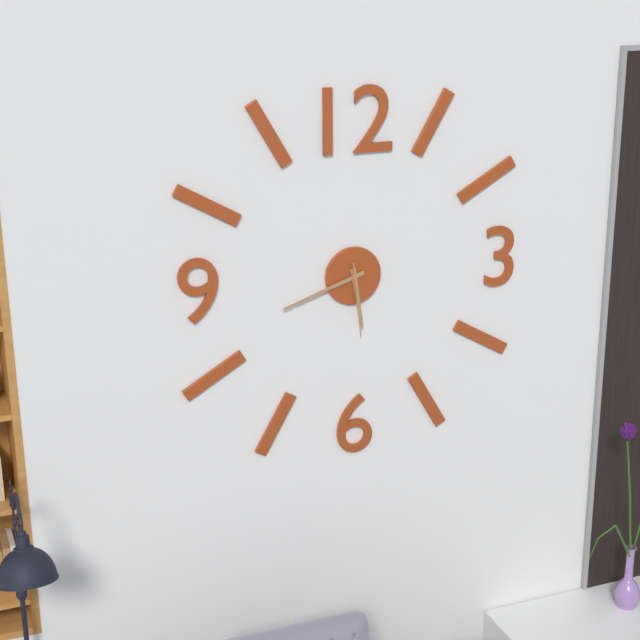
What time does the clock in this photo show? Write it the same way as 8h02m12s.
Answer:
5h42m29s
